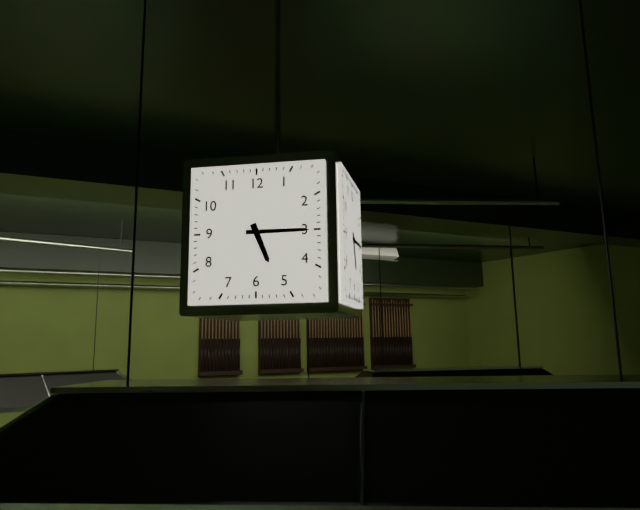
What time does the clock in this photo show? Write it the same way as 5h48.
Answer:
5h15
